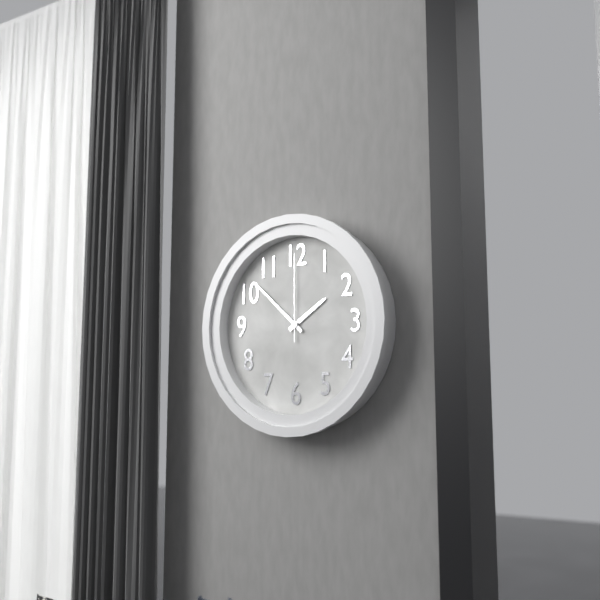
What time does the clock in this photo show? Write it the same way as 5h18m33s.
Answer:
1h52m00s
